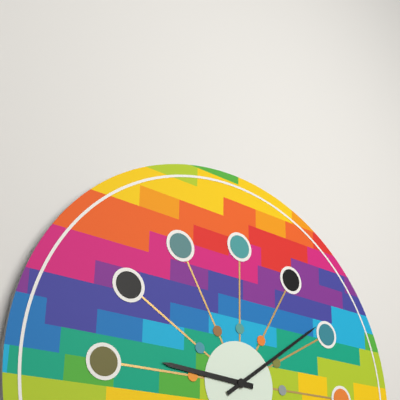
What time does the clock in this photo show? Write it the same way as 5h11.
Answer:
9h09
